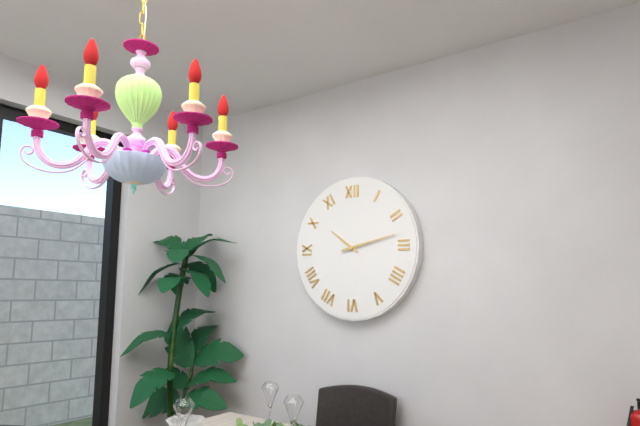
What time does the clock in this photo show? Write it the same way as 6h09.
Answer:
10h13
